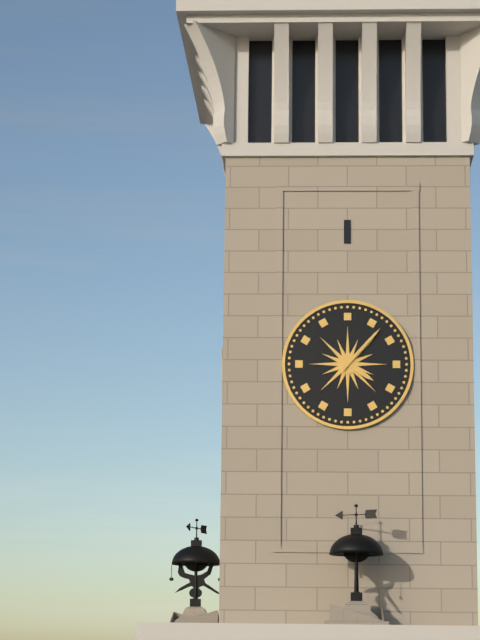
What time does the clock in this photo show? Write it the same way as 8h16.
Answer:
4h07
